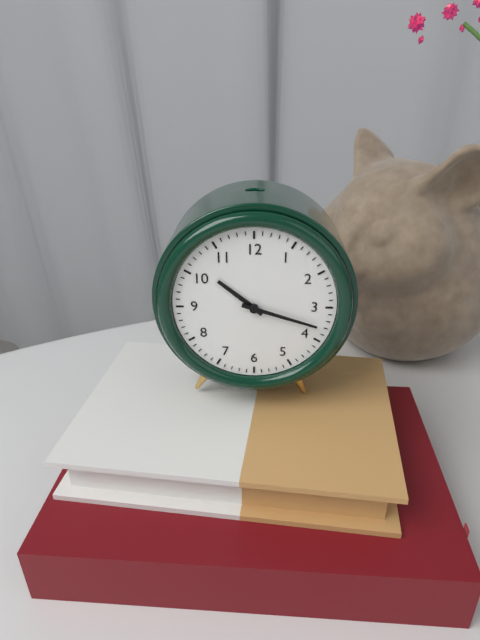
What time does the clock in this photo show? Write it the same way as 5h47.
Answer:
10h18
